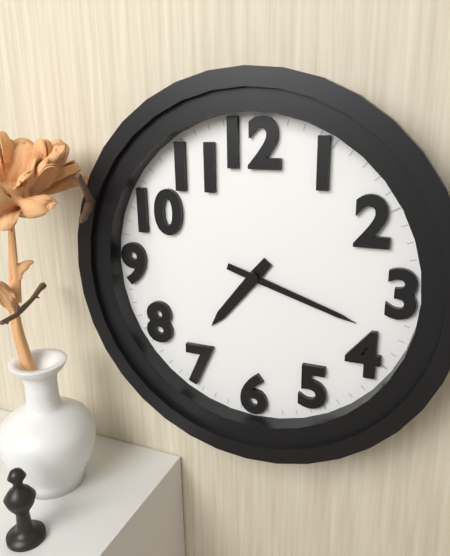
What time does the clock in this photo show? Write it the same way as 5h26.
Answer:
7h18
